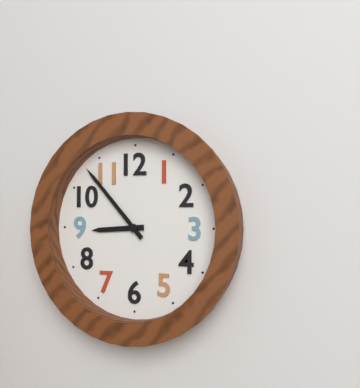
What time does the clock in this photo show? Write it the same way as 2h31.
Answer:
8h53
